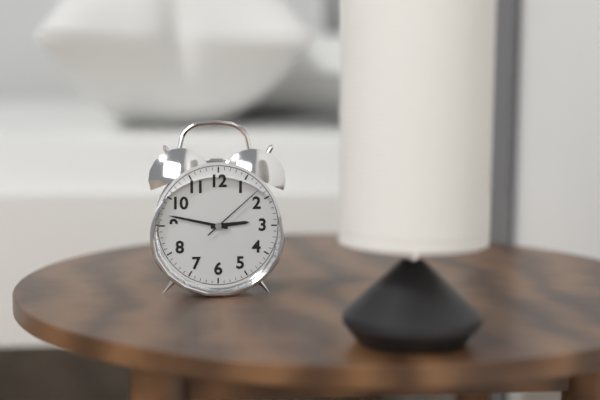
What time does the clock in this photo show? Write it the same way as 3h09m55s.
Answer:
2h47m08s
